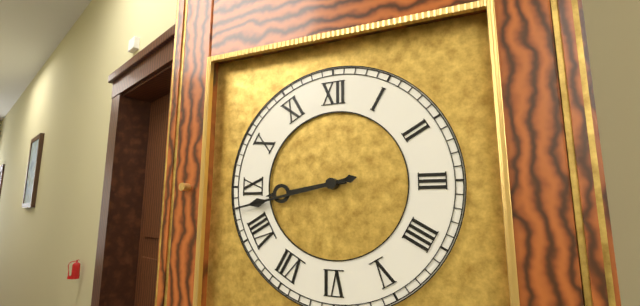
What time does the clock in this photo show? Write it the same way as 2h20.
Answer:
8h43
